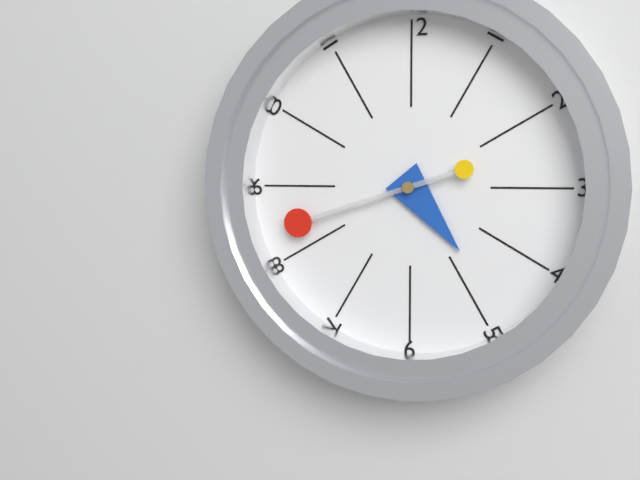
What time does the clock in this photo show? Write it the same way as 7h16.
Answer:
4h42
